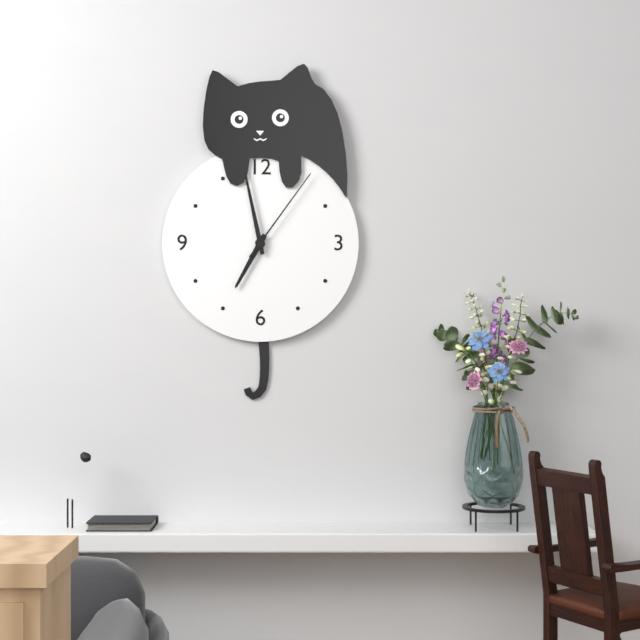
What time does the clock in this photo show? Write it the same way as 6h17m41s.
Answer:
6h58m06s
